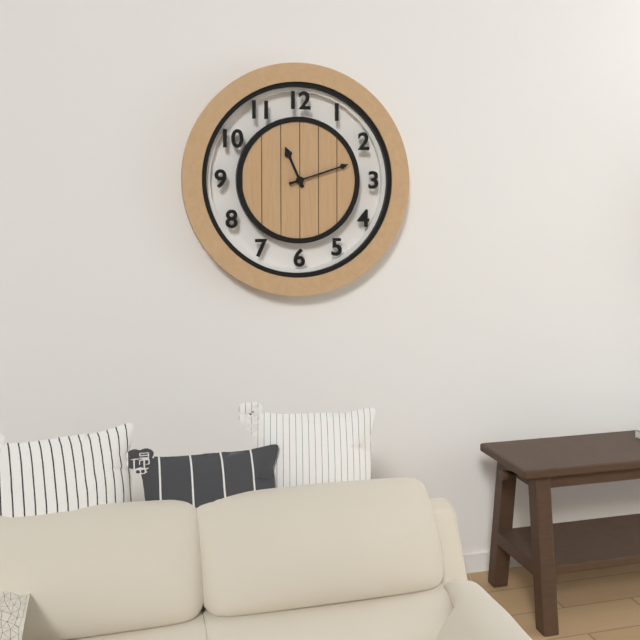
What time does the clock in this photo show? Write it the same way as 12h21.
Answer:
11h12
